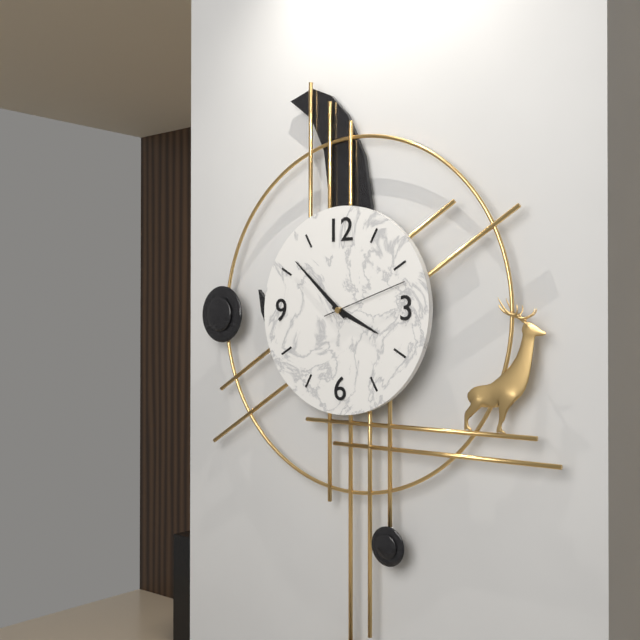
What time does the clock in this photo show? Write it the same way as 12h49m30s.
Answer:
3h52m12s
